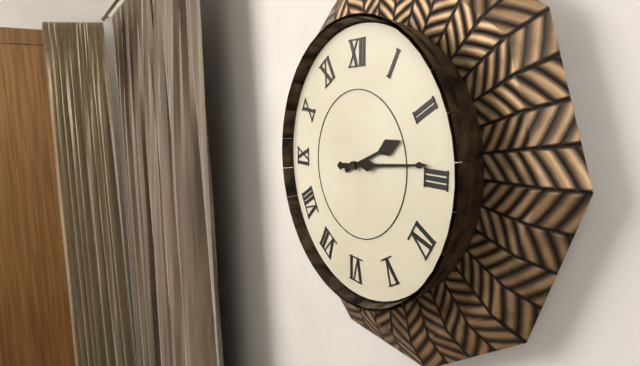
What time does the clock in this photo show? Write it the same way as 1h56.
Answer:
2h14
